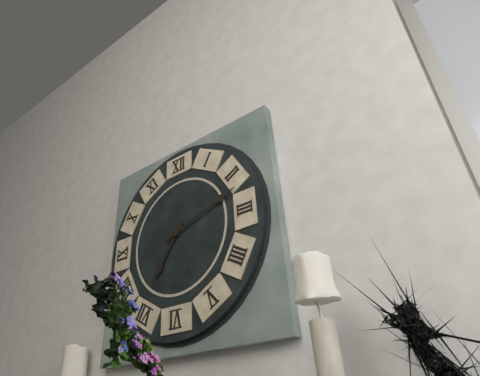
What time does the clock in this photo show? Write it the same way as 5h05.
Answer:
7h12
